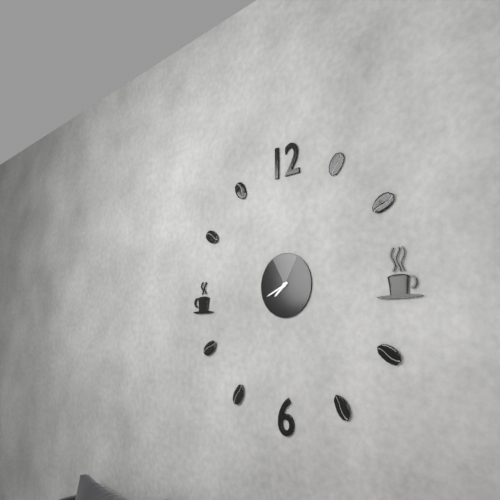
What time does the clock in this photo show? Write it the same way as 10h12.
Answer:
7h41
